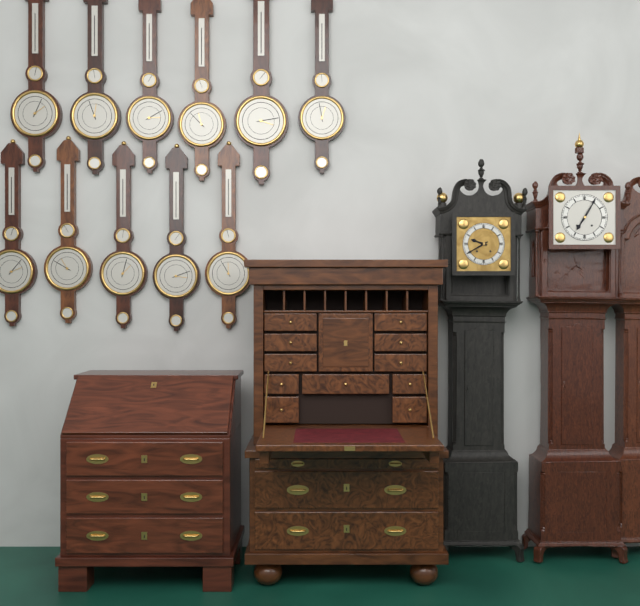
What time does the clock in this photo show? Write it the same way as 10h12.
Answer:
7h05
